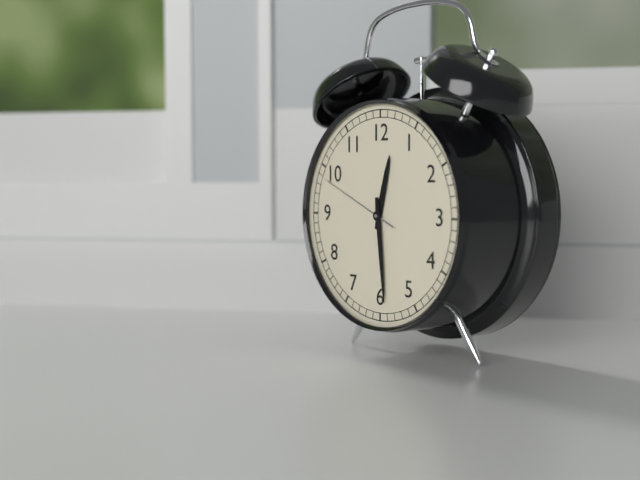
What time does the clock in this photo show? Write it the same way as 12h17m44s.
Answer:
12h29m49s
